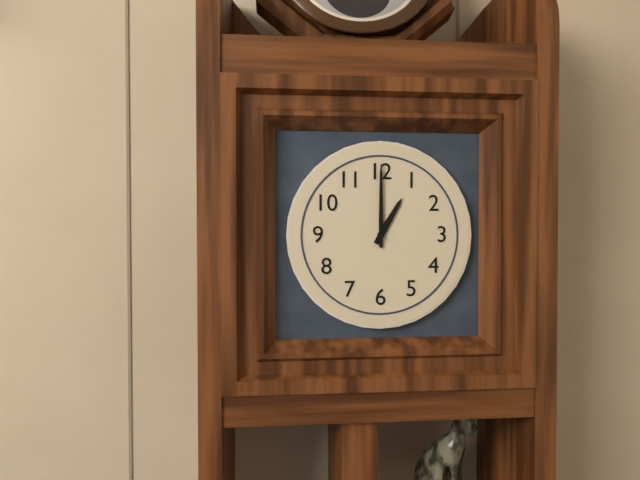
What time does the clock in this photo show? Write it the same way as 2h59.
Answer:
1h00
